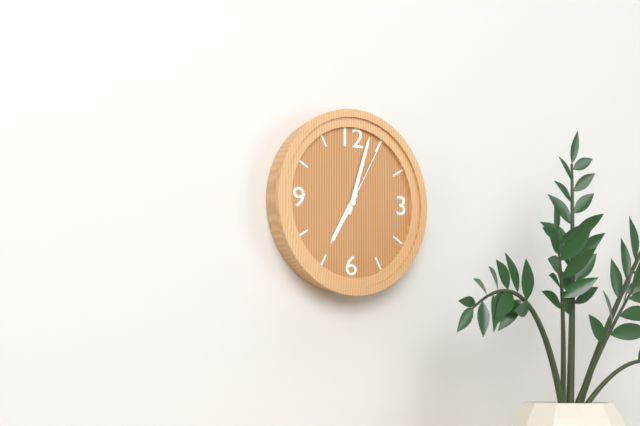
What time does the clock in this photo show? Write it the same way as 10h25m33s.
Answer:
7h03m05s
